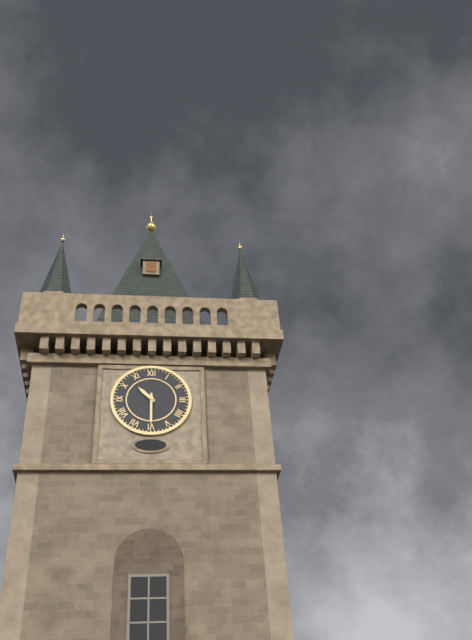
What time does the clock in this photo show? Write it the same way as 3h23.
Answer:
10h30
